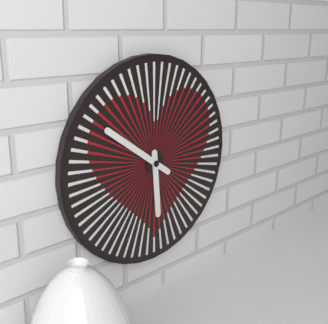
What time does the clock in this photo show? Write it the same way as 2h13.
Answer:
5h51
